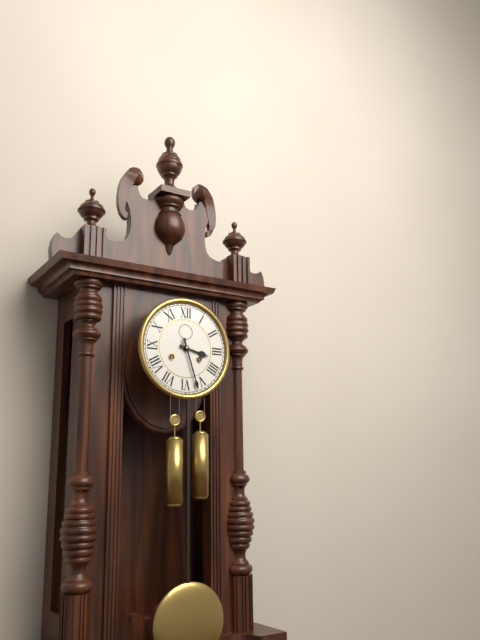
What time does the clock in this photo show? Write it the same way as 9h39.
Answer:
3h27
